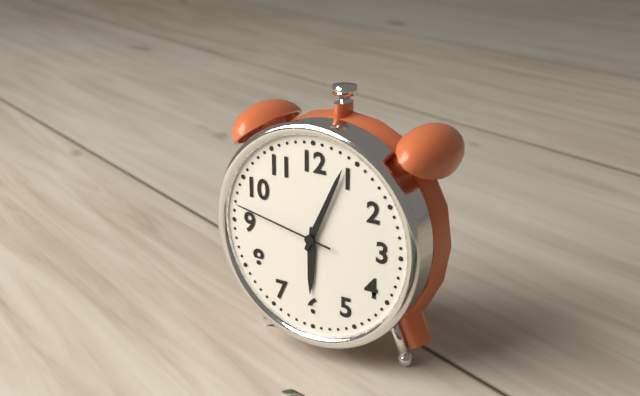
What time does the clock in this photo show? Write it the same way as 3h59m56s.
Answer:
6h04m47s
